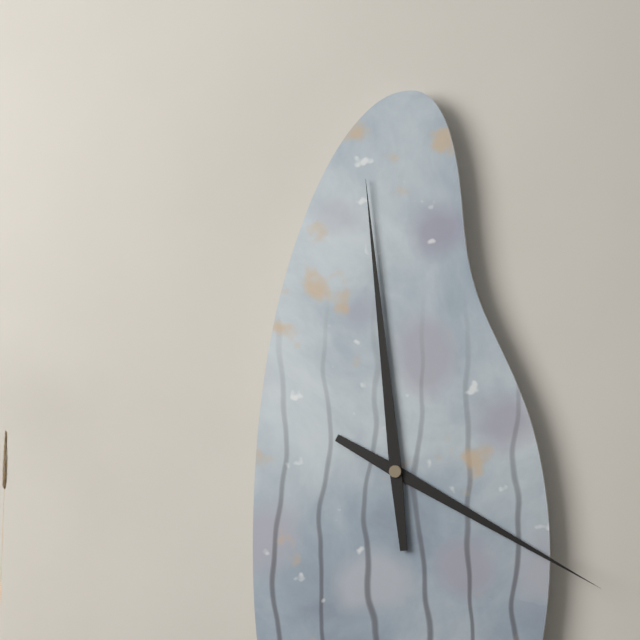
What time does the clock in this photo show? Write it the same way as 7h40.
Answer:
3h59
